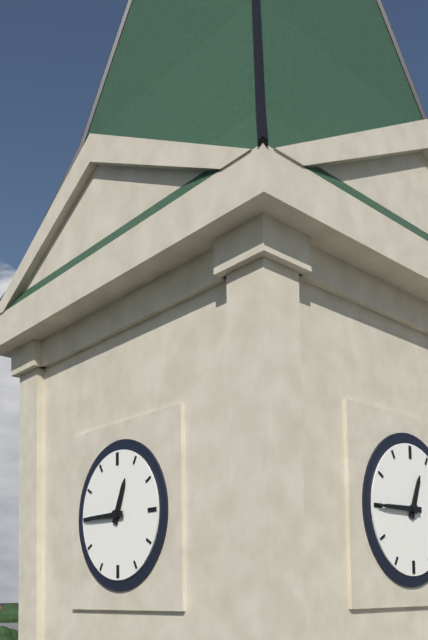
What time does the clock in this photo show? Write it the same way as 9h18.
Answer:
12h45
